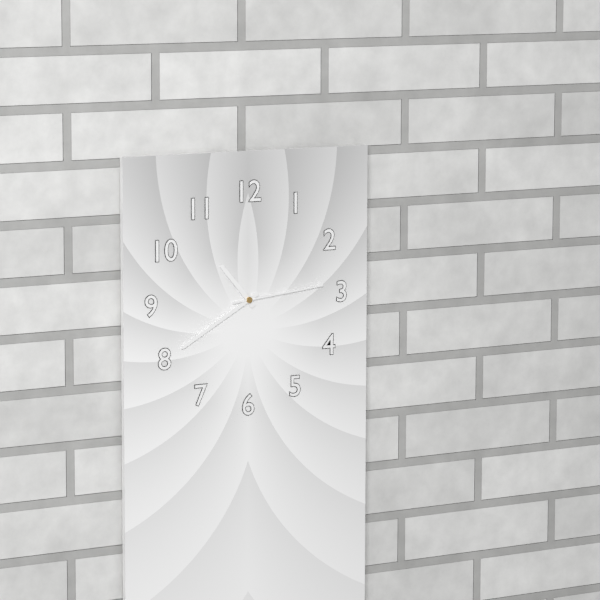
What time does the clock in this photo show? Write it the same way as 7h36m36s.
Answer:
10h40m14s
